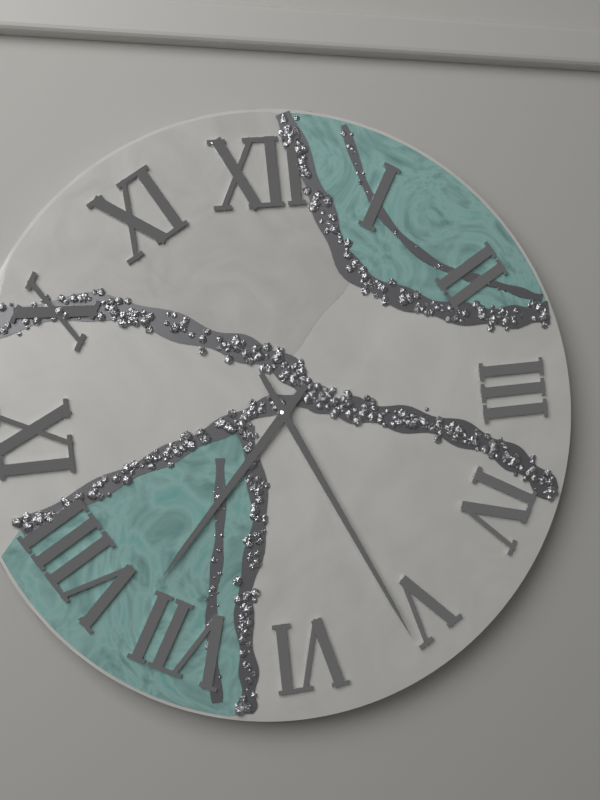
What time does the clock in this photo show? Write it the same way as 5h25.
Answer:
7h26
